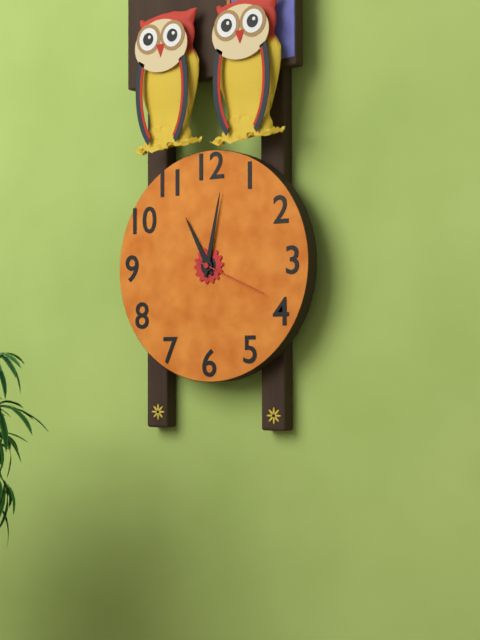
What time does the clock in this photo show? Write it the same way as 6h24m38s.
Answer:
11h02m19s
